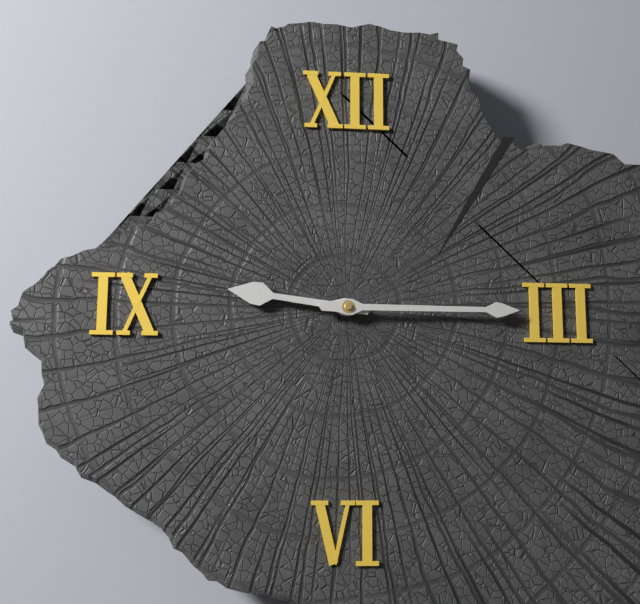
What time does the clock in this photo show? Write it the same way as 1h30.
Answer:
9h15
